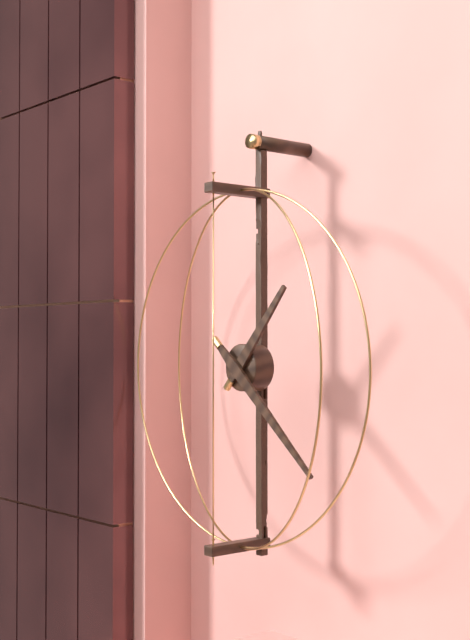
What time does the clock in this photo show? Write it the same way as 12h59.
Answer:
1h22
